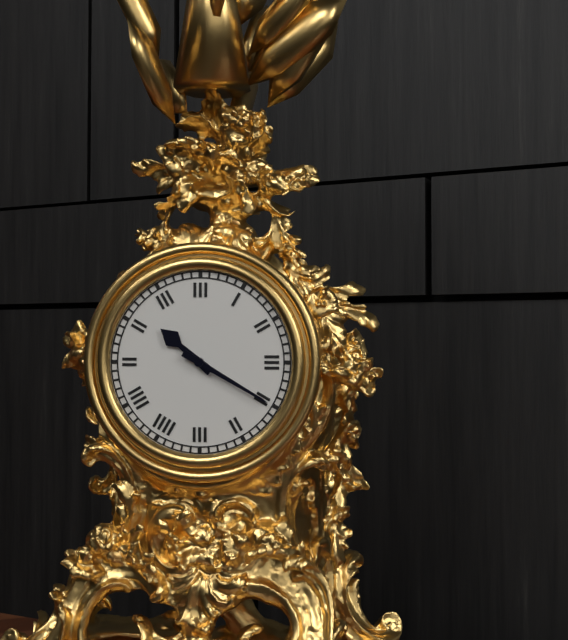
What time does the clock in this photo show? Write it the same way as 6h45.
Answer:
10h20
